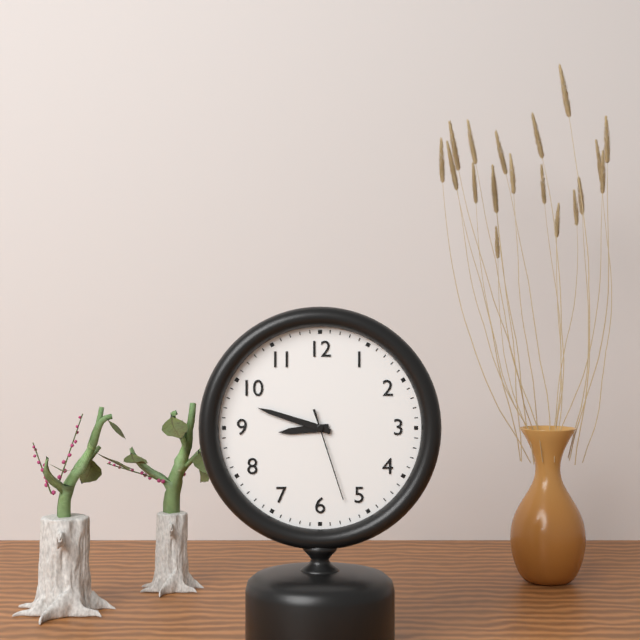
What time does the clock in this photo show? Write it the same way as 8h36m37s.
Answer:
8h48m27s
